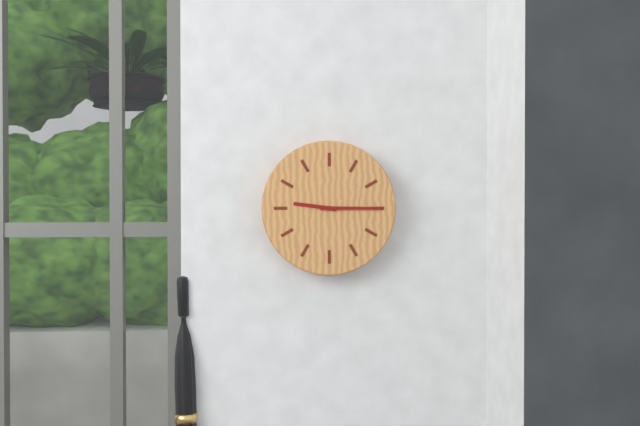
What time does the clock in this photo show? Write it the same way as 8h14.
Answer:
9h15
